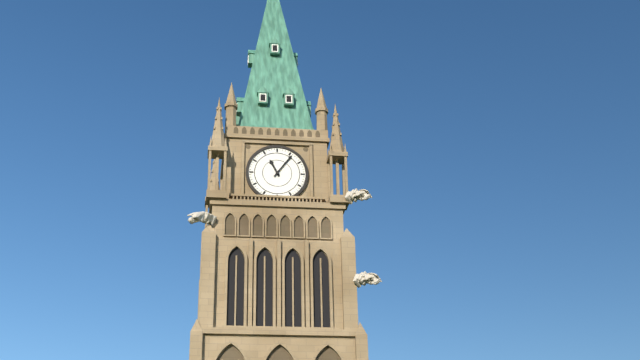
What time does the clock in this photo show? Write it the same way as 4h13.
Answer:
11h06
